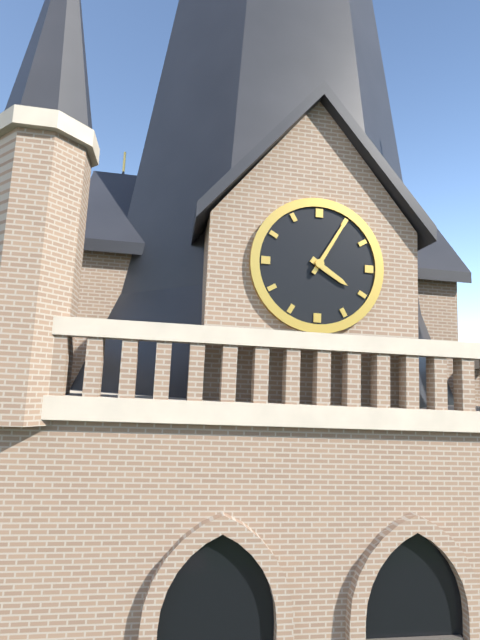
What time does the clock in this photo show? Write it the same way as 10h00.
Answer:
4h05
